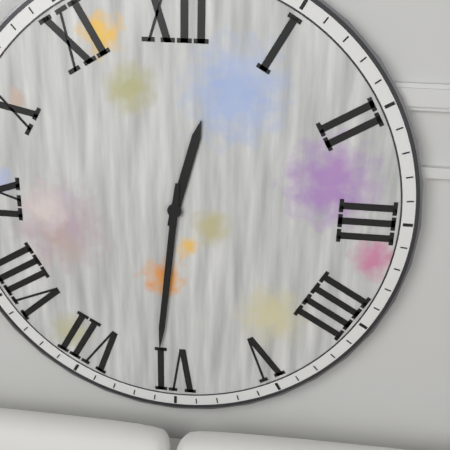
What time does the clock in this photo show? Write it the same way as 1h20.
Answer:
12h31
